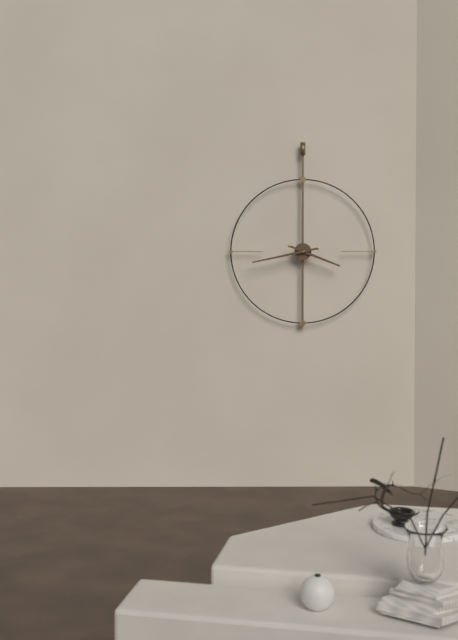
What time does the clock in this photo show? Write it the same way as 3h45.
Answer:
3h43
